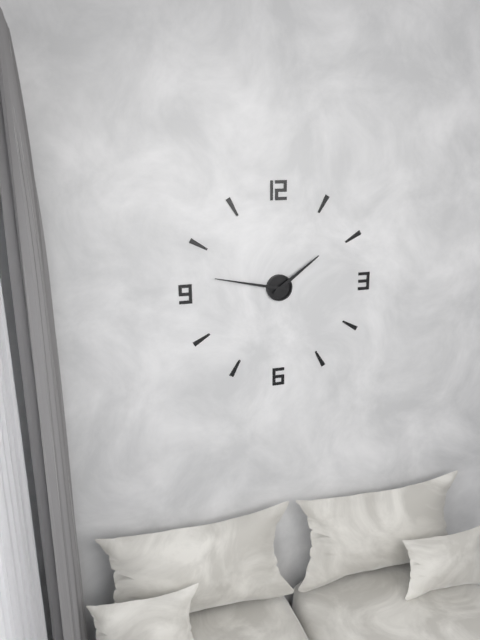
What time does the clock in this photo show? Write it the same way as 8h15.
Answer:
1h47
